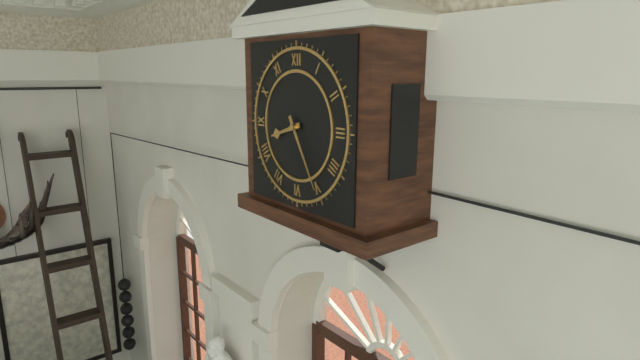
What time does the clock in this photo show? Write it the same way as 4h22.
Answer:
8h25
